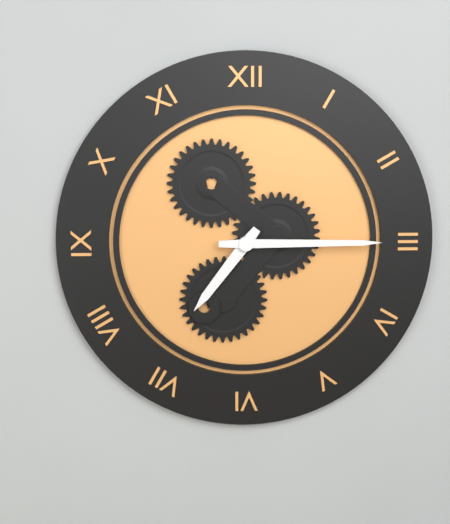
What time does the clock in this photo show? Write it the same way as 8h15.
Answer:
7h15
